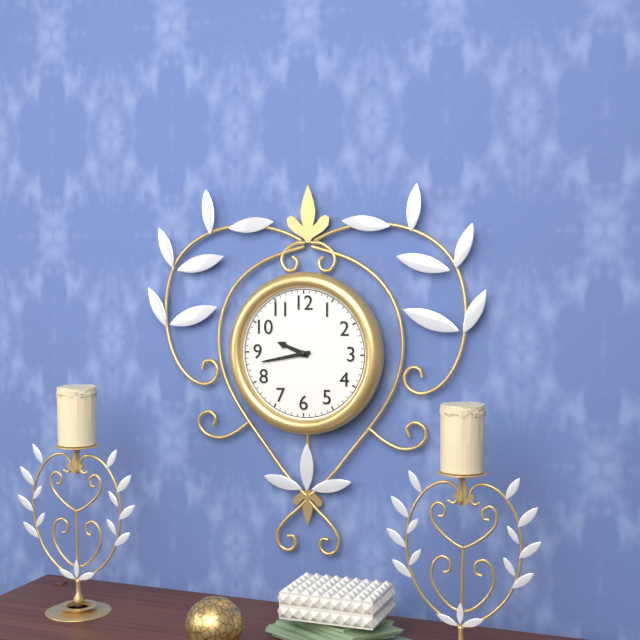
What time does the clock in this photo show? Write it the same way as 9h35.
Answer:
9h43
